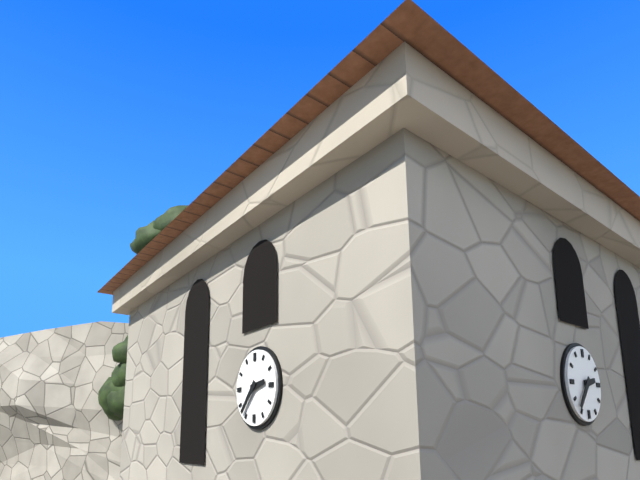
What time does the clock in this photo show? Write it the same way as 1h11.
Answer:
2h37
